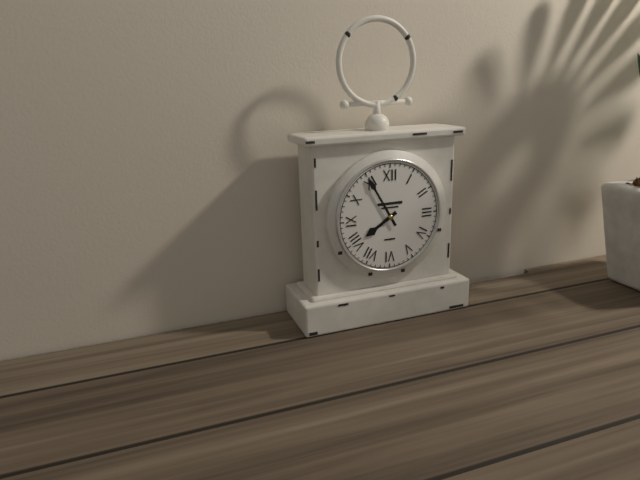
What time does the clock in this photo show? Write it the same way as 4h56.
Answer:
7h55
